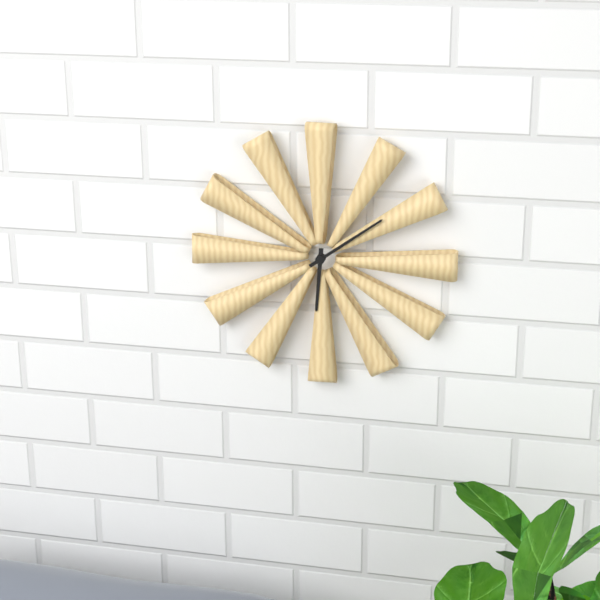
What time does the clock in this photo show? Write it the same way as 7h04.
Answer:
6h09
